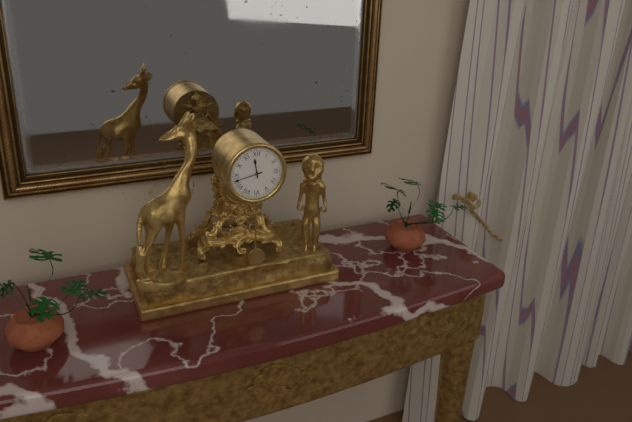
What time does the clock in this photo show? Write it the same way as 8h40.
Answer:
11h43
